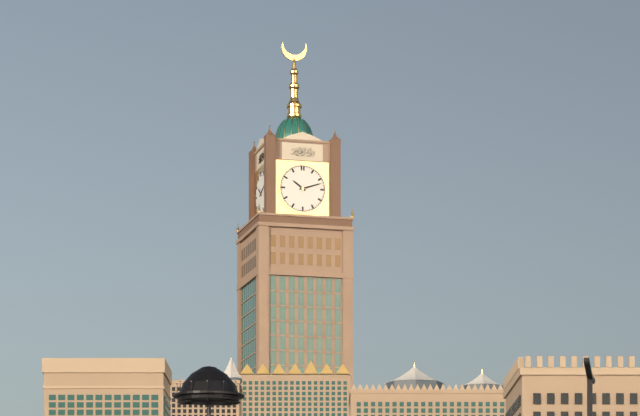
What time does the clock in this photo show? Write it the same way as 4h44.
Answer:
10h12
